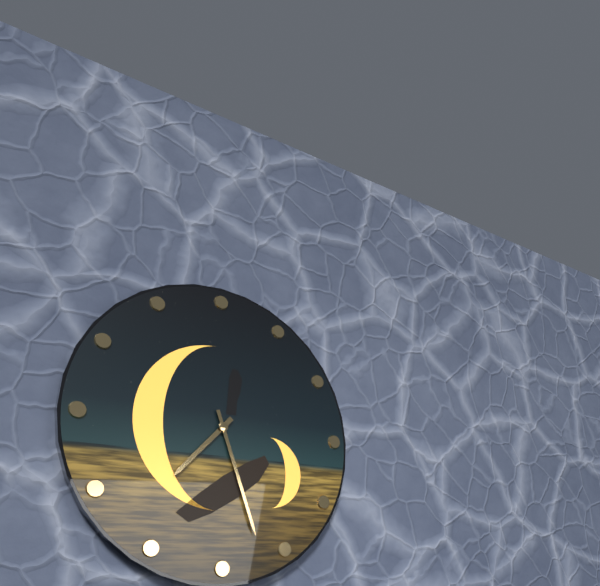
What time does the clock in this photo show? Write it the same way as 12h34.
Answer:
7h27
